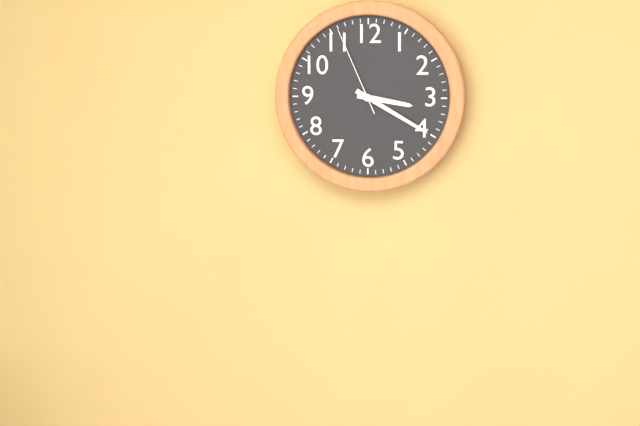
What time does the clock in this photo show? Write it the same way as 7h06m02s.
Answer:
3h20m56s
